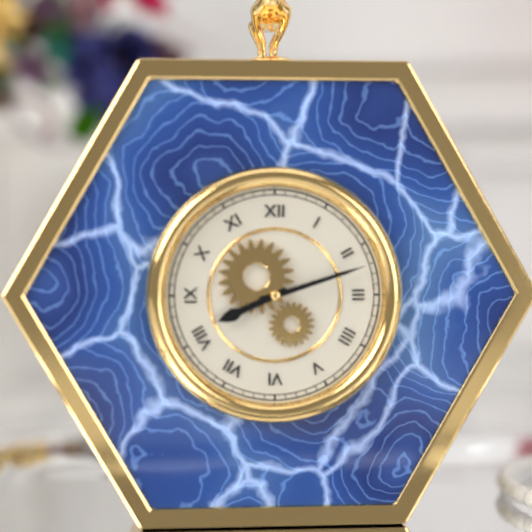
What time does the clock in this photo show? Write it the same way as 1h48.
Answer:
8h12
